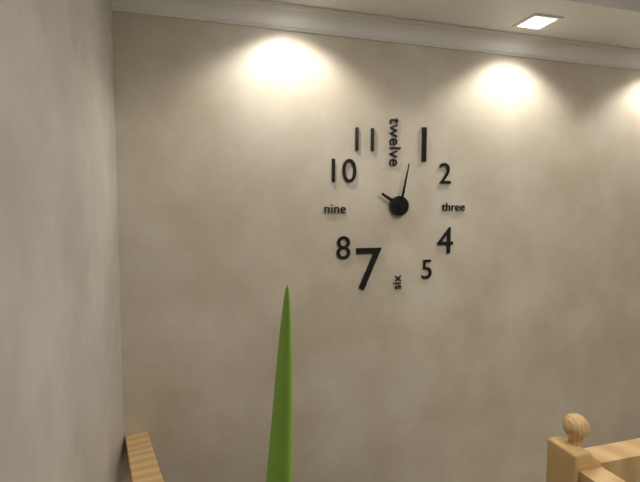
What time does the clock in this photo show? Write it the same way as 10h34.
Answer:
10h02
